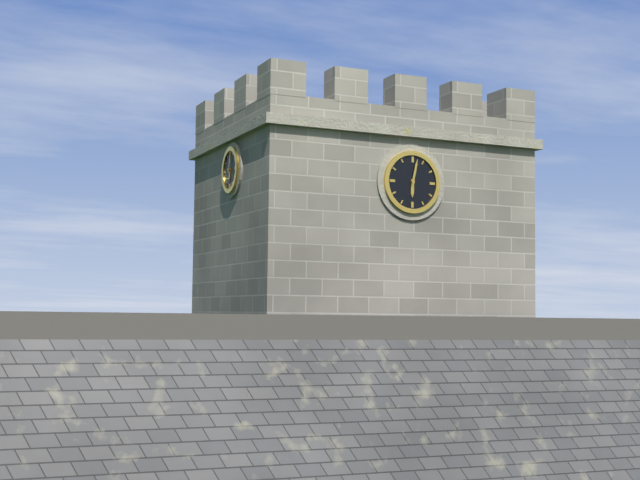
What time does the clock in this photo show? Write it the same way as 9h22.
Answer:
6h02
